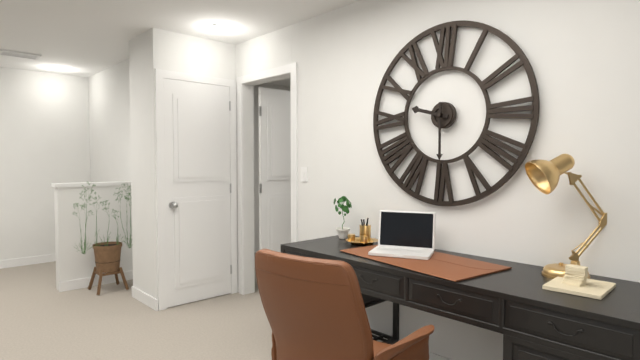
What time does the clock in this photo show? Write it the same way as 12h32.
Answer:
9h30
